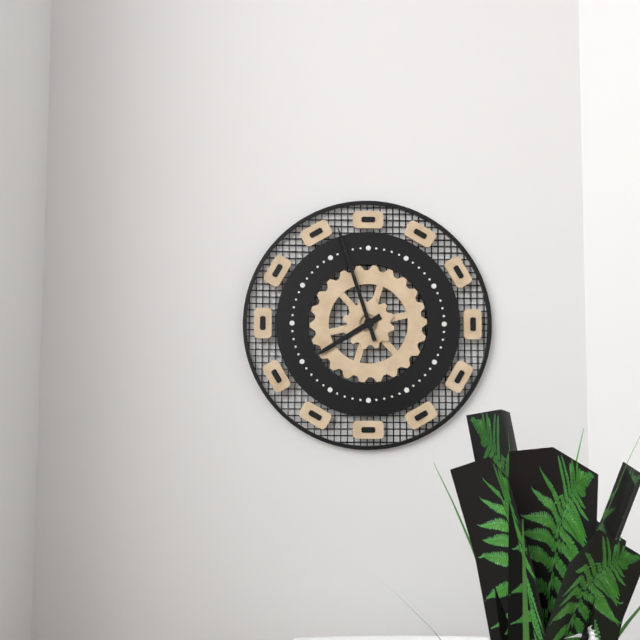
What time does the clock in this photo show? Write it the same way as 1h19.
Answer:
7h57
